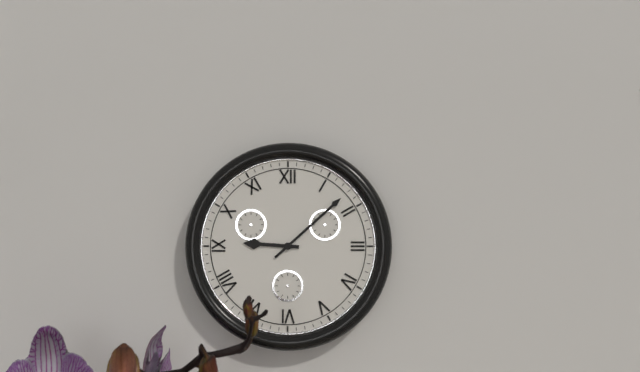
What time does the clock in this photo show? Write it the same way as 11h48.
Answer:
9h08
